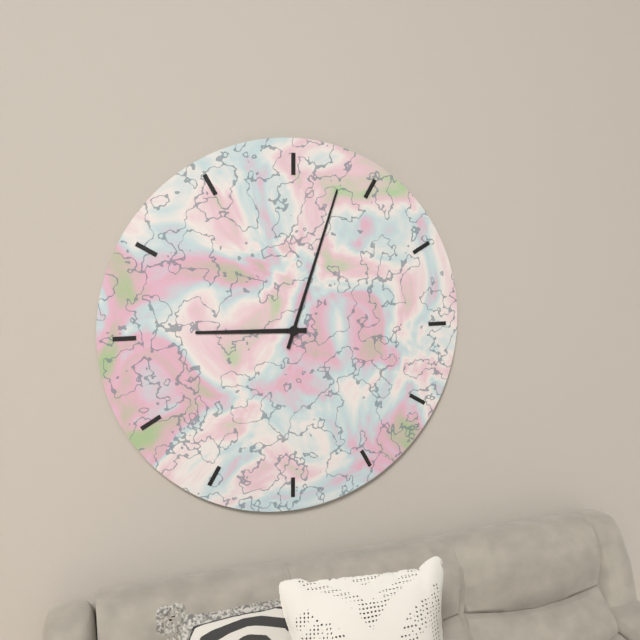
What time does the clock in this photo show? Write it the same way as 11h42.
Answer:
9h03
